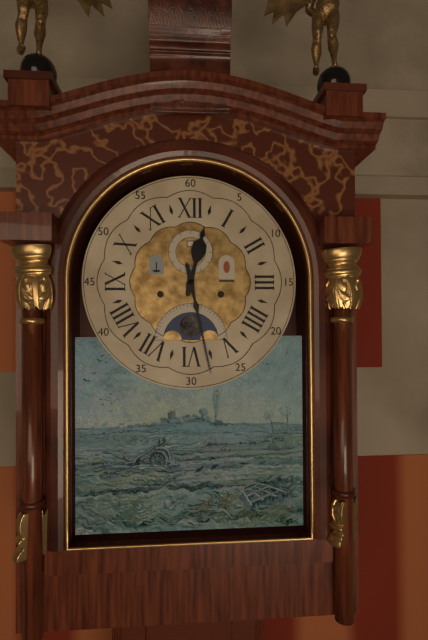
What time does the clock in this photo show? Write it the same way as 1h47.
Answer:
12h28
